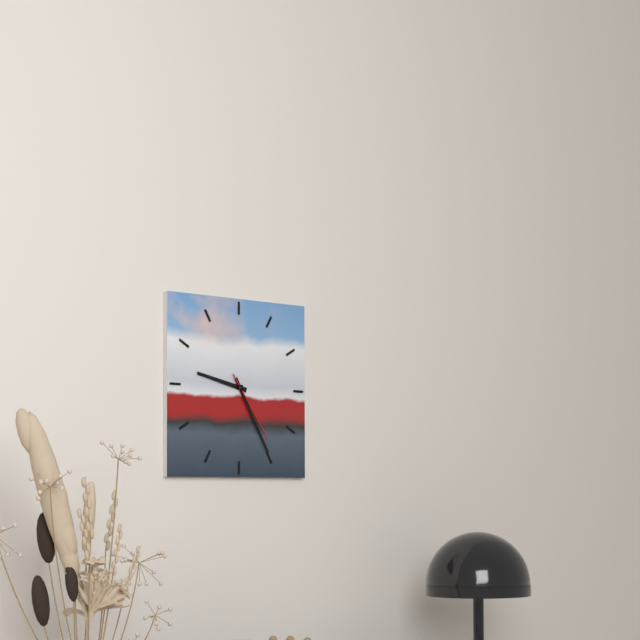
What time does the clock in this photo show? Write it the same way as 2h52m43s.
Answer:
9h25m24s
